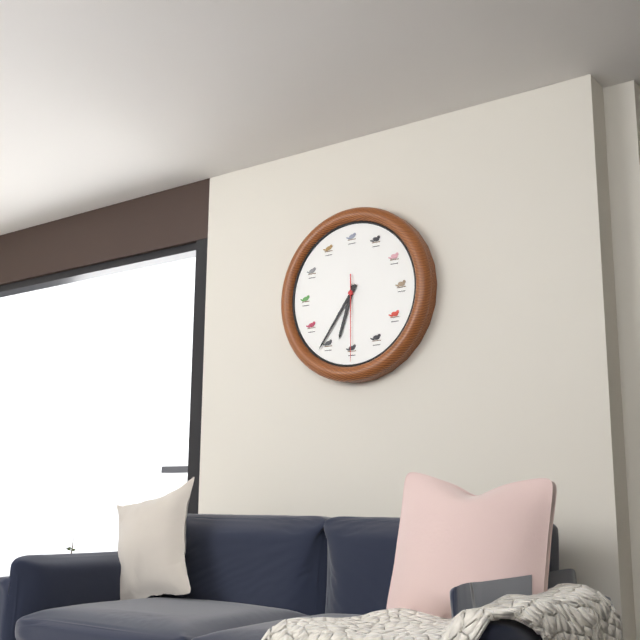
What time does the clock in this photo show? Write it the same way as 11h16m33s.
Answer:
6h36m30s
